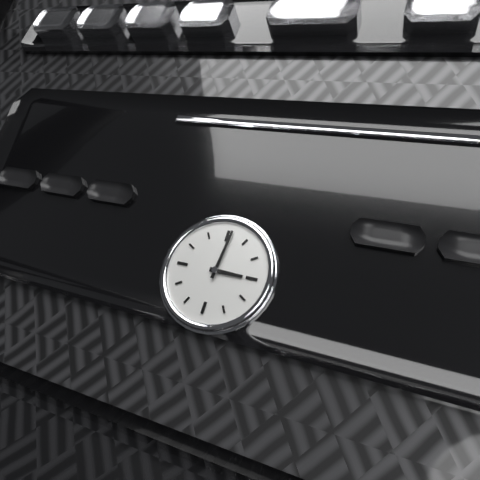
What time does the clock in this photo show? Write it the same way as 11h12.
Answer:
3h01
